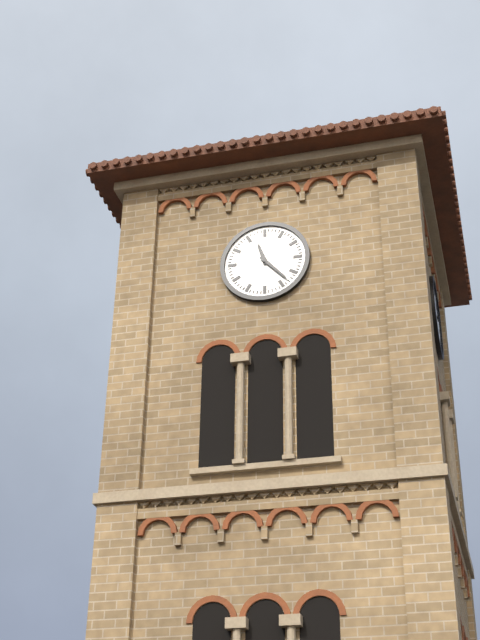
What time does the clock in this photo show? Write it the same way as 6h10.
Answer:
11h23
